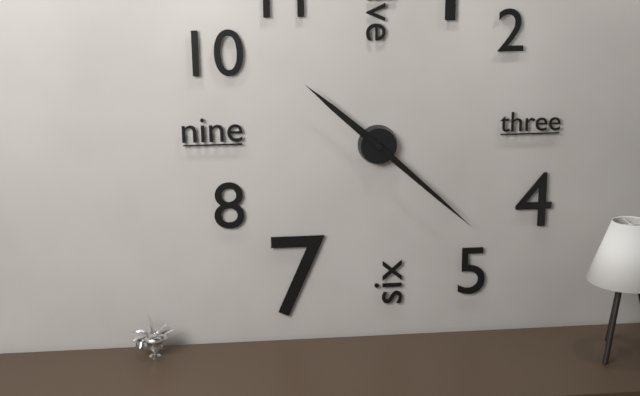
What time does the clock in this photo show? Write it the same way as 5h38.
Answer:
10h22
